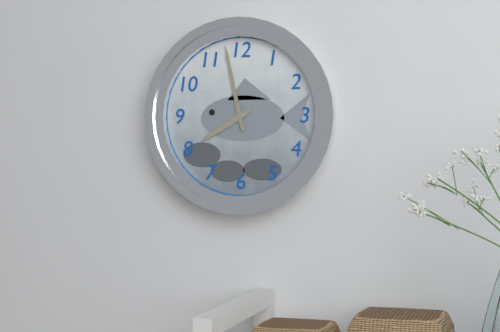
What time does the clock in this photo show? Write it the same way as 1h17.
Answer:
7h58
